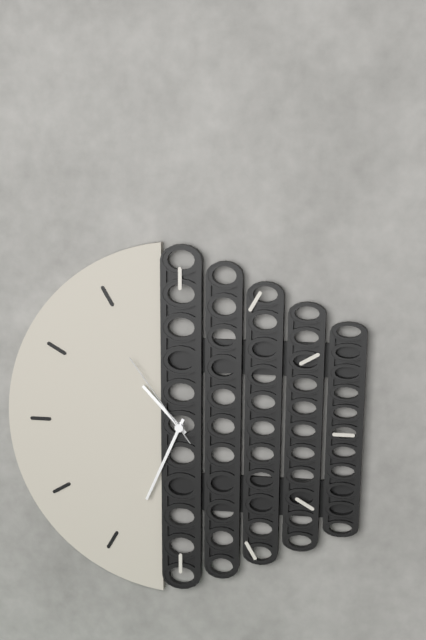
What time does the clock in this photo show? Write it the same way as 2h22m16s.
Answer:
10h34m54s
